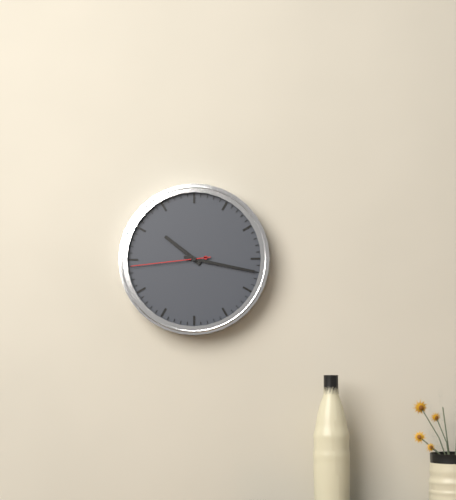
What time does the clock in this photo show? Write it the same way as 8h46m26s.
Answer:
10h17m44s
